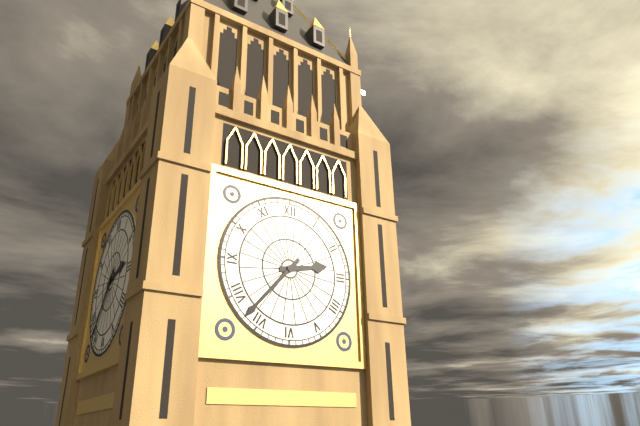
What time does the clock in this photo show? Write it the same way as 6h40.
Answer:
2h37
